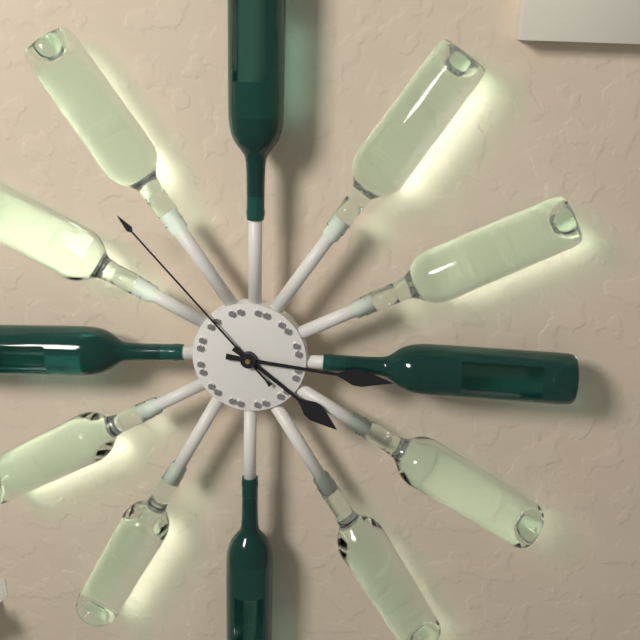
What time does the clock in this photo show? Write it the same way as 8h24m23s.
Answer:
4h16m53s
